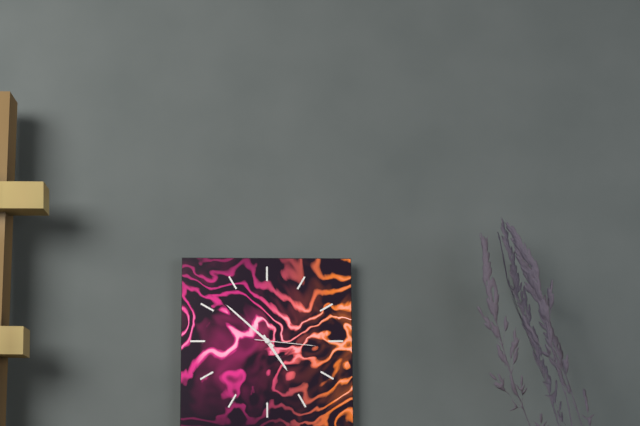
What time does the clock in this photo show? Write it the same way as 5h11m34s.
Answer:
4h52m16s
